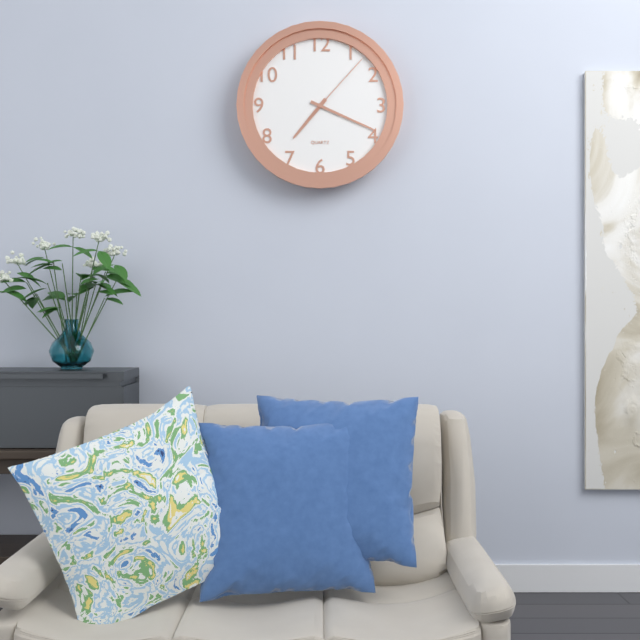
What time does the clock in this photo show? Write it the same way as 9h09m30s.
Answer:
7h19m07s
